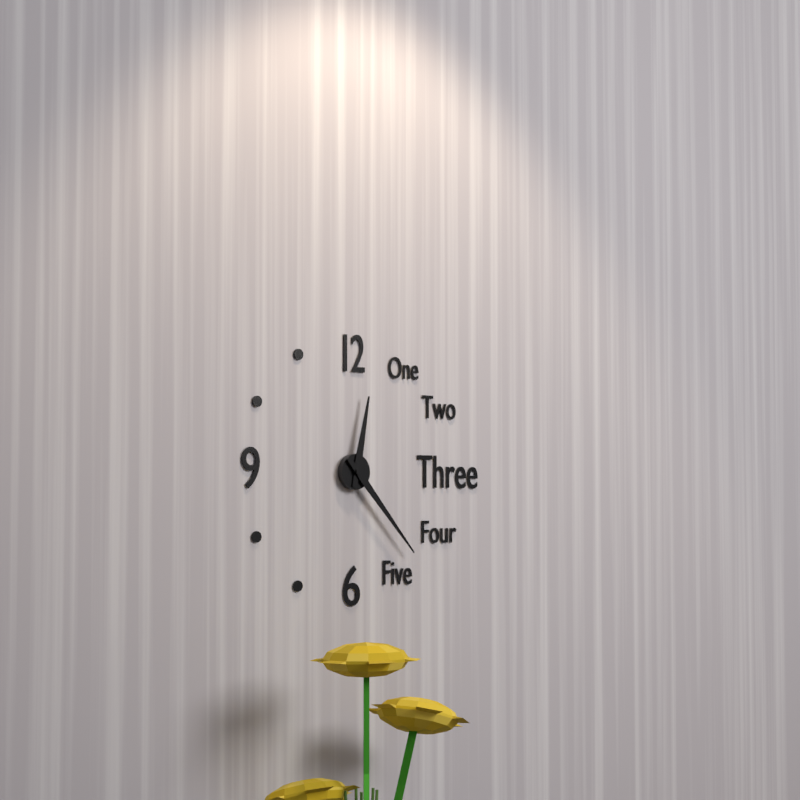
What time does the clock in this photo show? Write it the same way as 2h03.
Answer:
12h23
